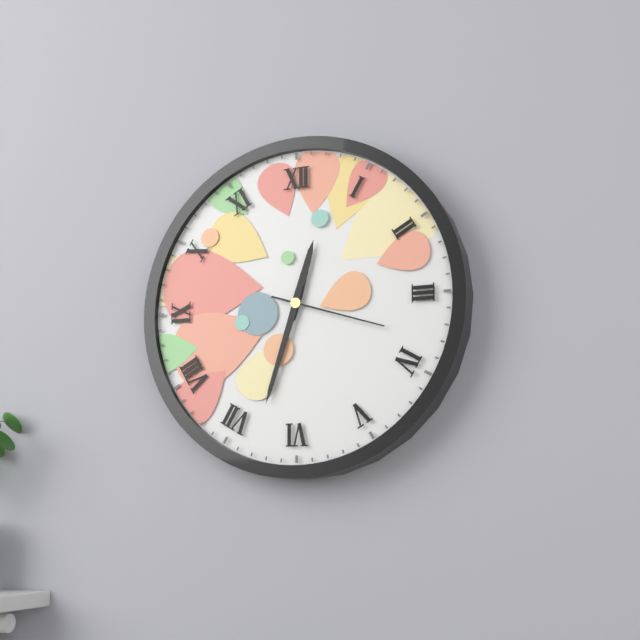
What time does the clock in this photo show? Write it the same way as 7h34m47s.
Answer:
12h33m18s
